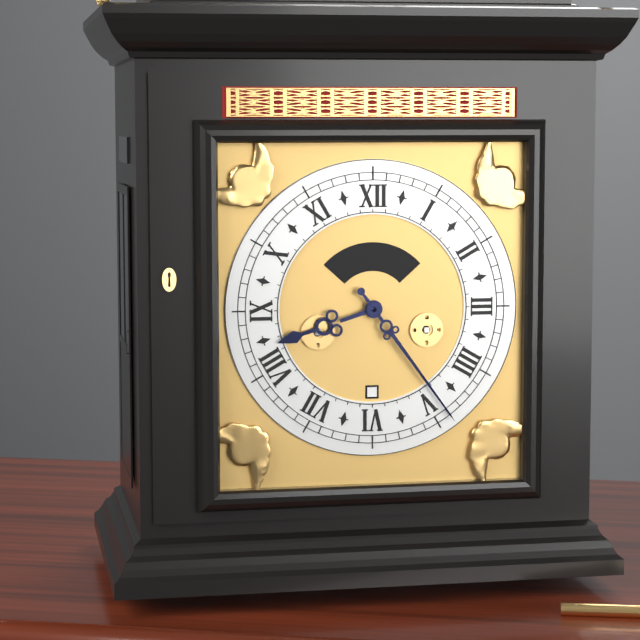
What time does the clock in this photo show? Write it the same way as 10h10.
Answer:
8h24
